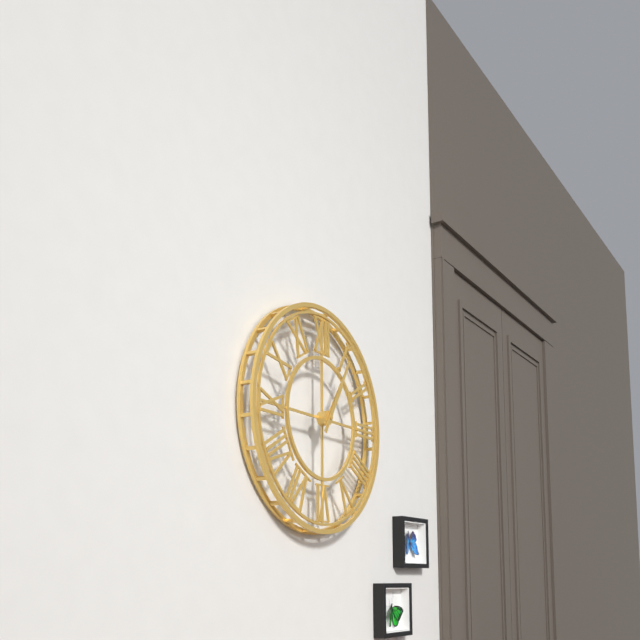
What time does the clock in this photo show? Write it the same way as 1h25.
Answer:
1h05
